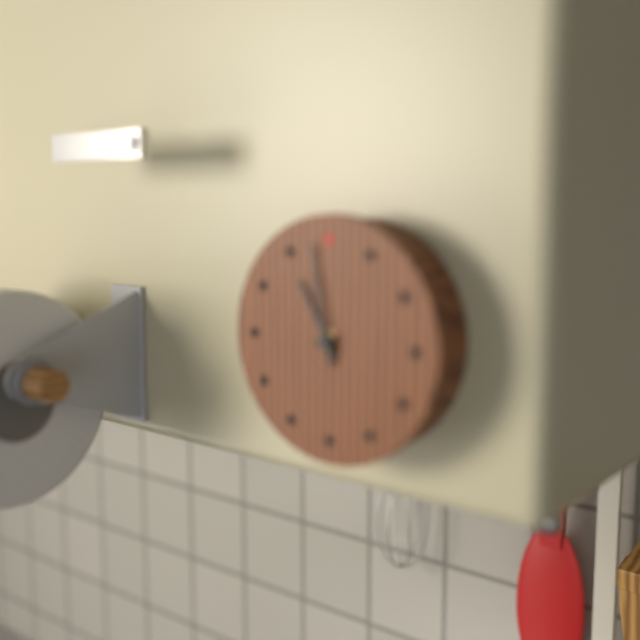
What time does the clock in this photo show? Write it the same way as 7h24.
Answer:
10h58
